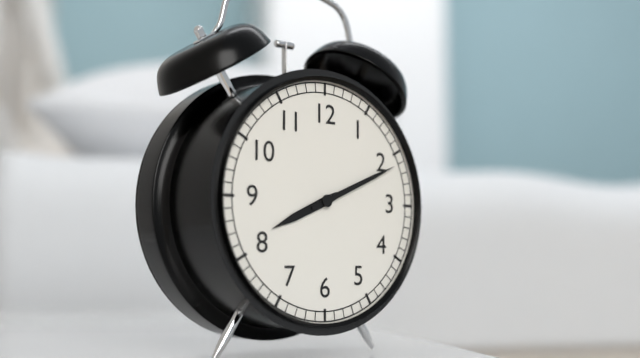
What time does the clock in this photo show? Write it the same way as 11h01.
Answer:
8h11
